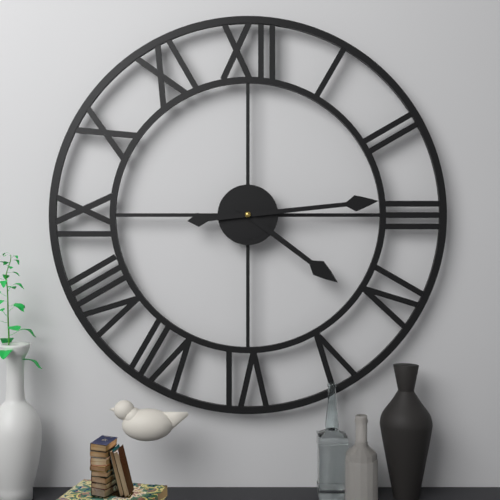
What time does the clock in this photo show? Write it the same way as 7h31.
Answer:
4h14
